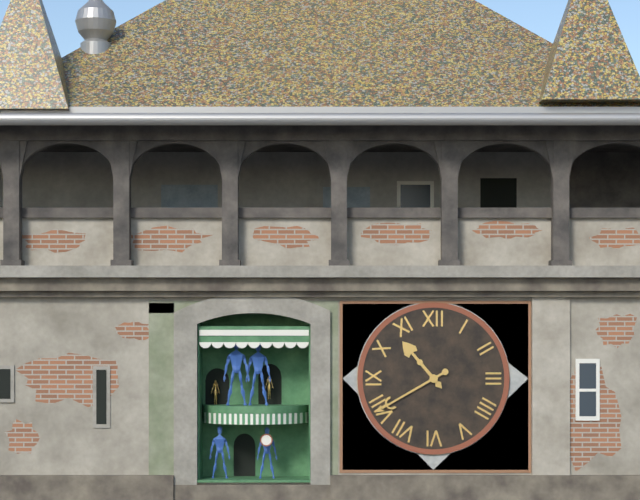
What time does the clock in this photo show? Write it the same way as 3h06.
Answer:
10h40
